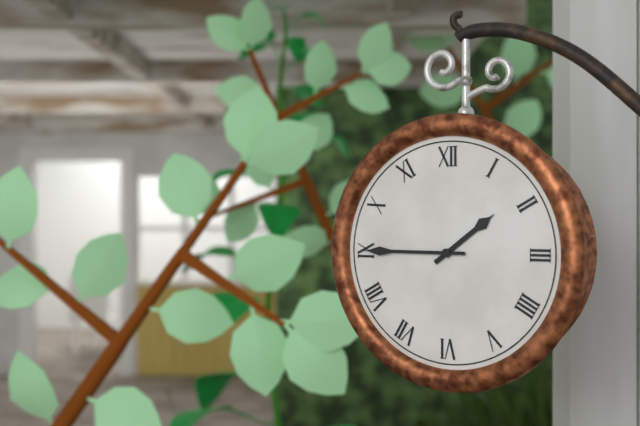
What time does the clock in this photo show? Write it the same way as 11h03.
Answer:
1h45
